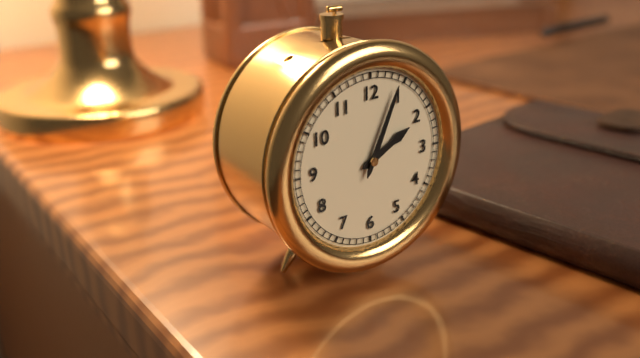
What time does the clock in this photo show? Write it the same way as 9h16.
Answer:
2h04
